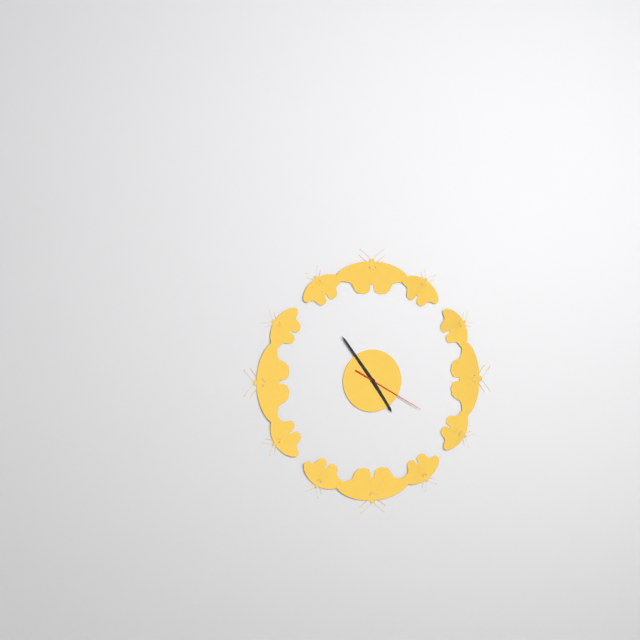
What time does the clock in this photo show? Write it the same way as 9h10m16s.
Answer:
4h54m20s
